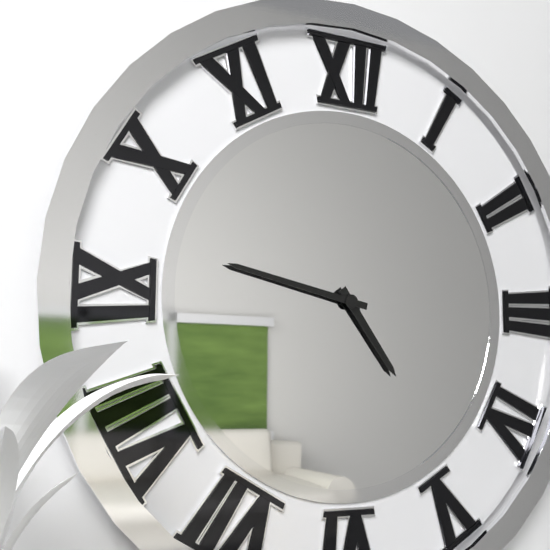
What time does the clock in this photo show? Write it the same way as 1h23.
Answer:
4h47
